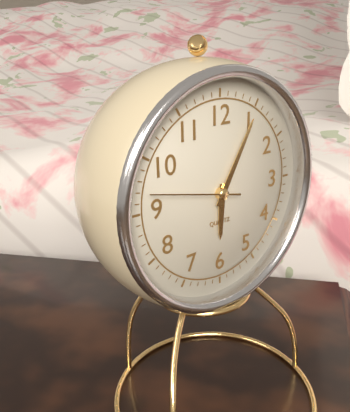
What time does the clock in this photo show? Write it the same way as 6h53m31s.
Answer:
6h05m47s
